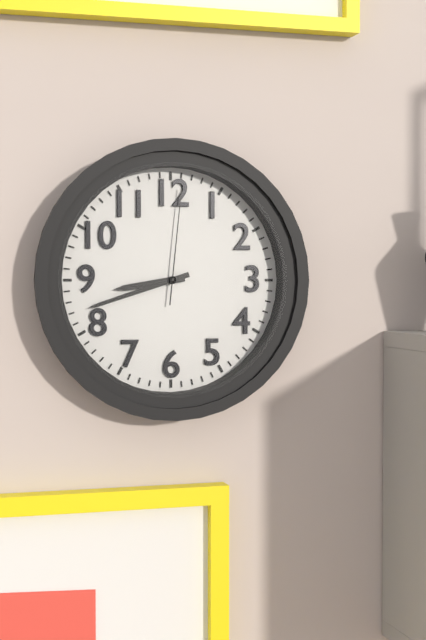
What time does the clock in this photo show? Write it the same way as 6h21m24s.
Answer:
8h42m01s
